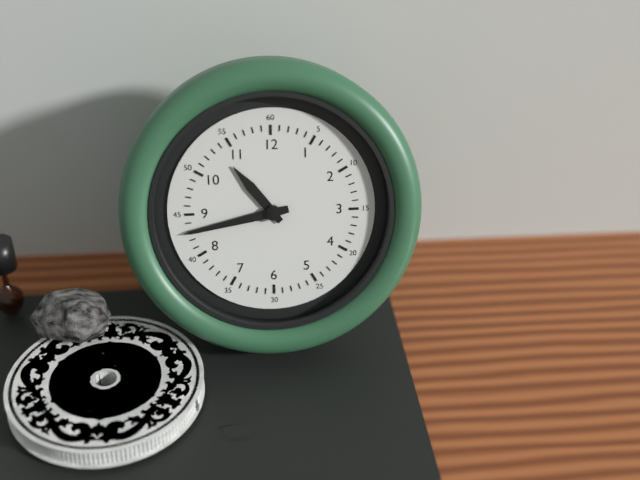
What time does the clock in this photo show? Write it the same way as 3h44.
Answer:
10h43
